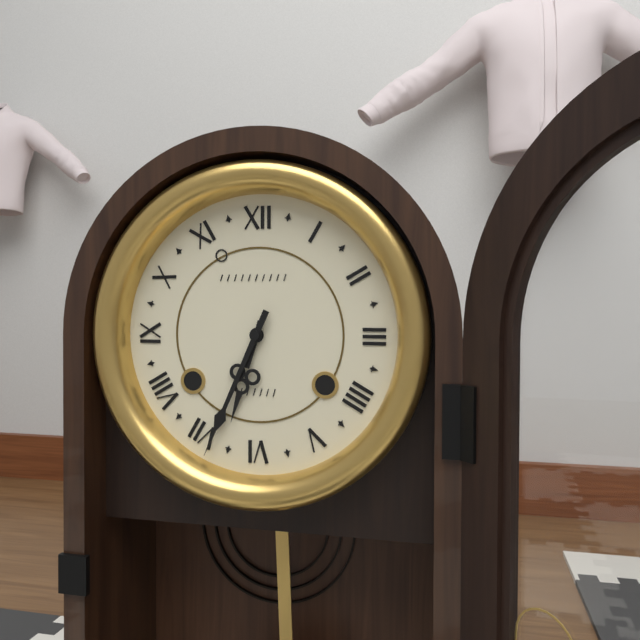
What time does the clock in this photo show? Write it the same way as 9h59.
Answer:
6h34
